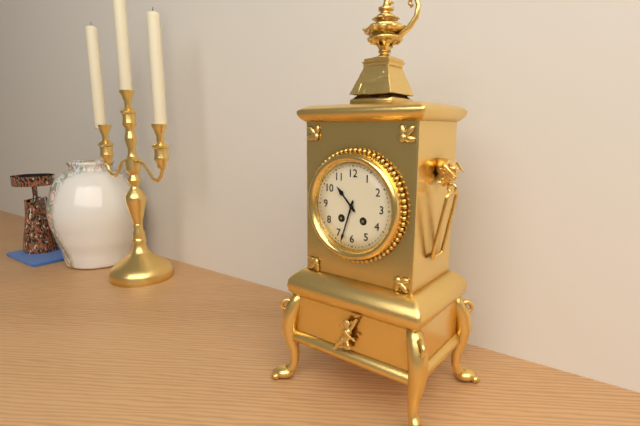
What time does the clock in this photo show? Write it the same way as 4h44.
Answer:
10h33
